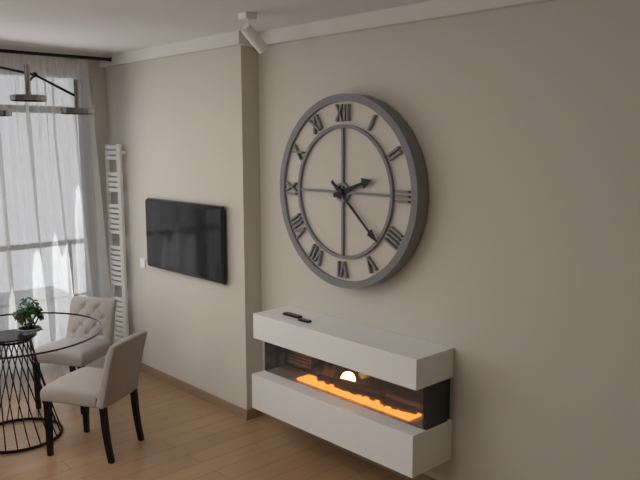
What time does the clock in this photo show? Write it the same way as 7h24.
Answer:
2h22
